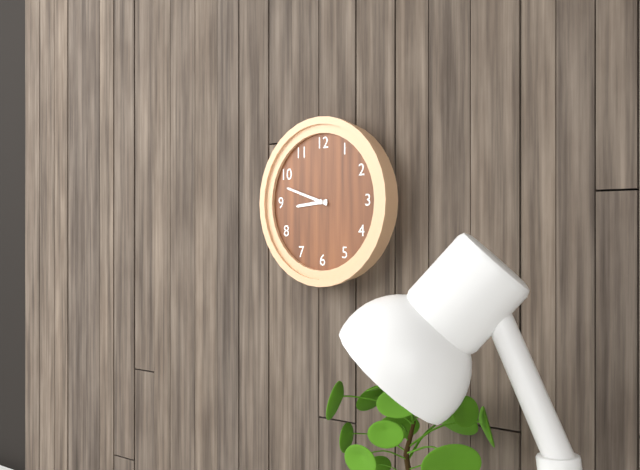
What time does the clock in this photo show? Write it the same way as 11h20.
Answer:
8h48
